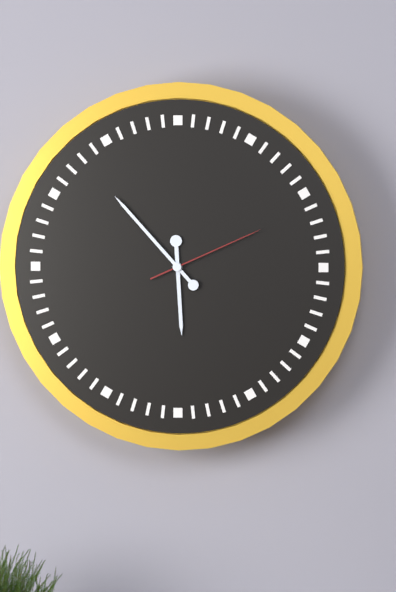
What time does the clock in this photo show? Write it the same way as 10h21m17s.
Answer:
5h53m11s
